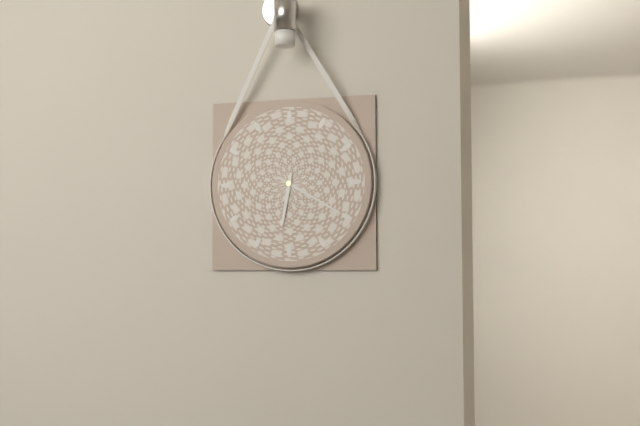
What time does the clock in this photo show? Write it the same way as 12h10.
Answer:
6h20
